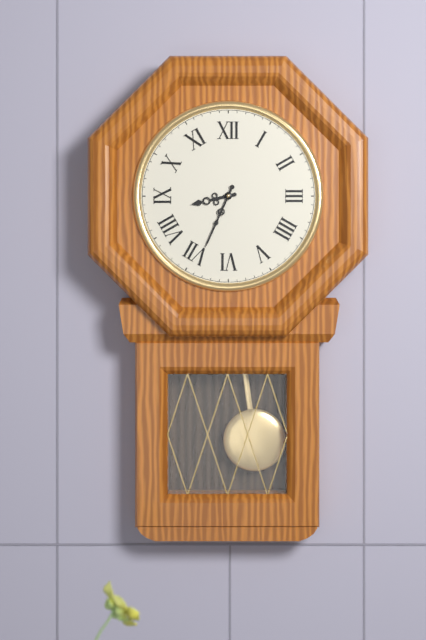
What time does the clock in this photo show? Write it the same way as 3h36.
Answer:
8h34
